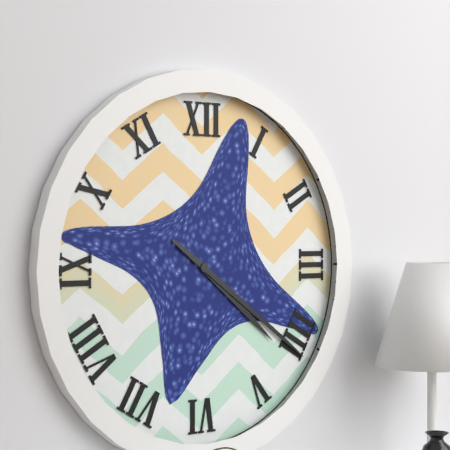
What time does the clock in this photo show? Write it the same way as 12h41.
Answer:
4h21
